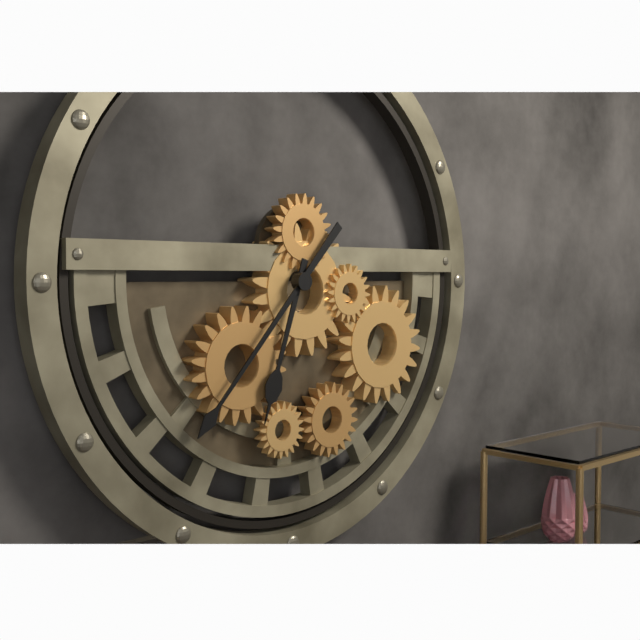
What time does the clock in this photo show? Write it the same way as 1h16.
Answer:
6h37
